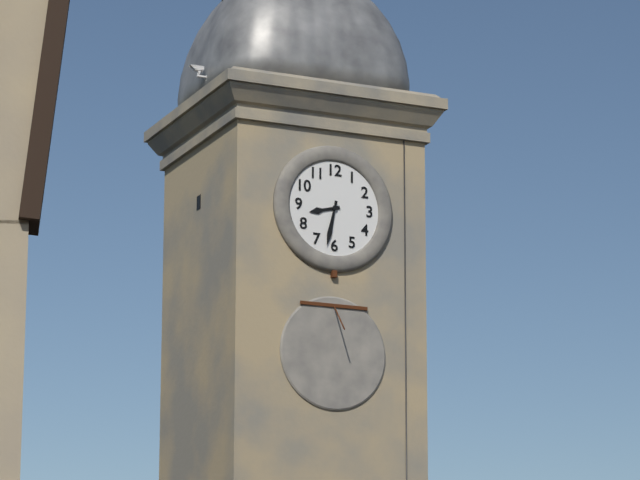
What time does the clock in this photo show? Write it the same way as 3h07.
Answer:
8h32
